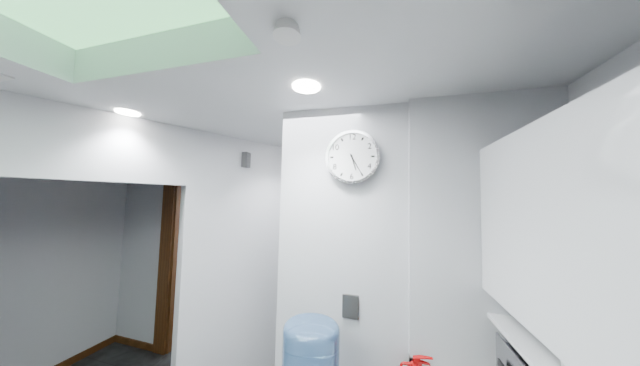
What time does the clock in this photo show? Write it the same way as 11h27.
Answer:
5h25
